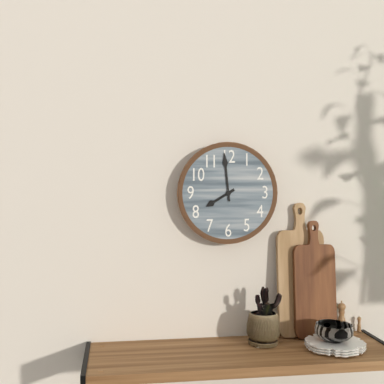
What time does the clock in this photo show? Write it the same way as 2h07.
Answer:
7h59
